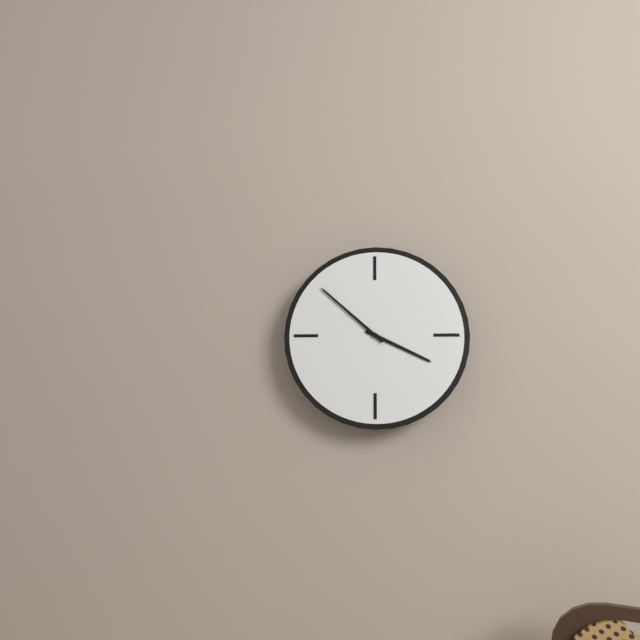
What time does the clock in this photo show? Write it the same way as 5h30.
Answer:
3h52
